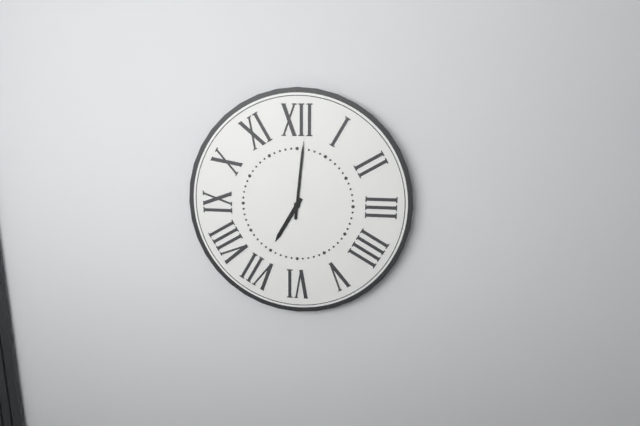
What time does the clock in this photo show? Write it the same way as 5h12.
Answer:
7h01
